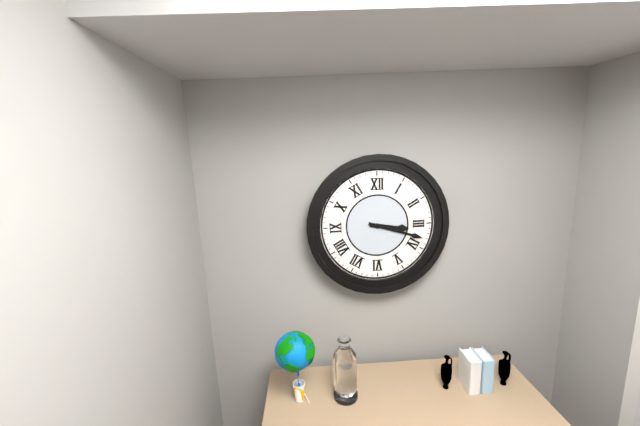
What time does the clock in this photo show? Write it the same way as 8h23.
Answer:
3h18
